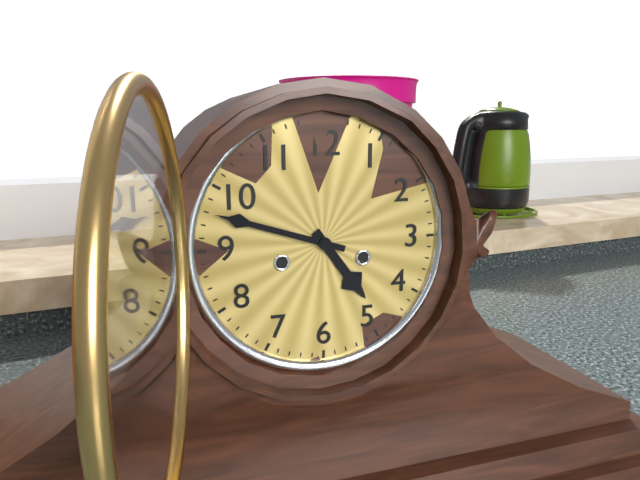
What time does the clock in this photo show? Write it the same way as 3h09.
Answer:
4h48
